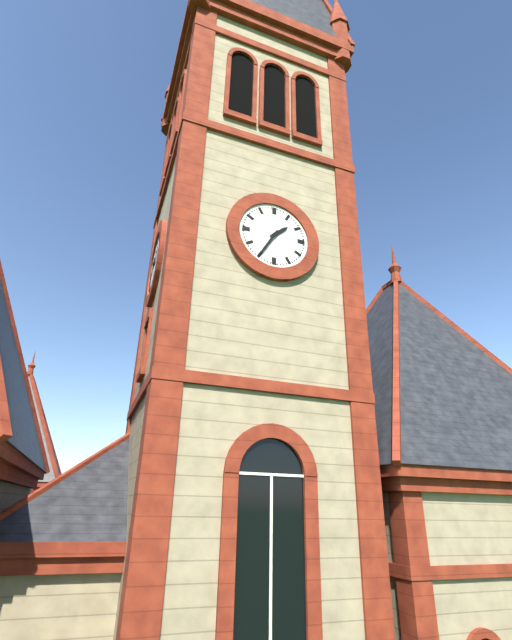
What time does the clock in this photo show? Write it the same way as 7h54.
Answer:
1h35
